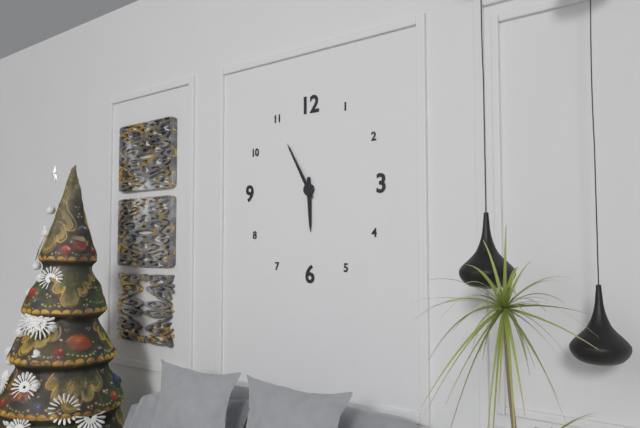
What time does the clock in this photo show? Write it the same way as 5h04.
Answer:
5h55
